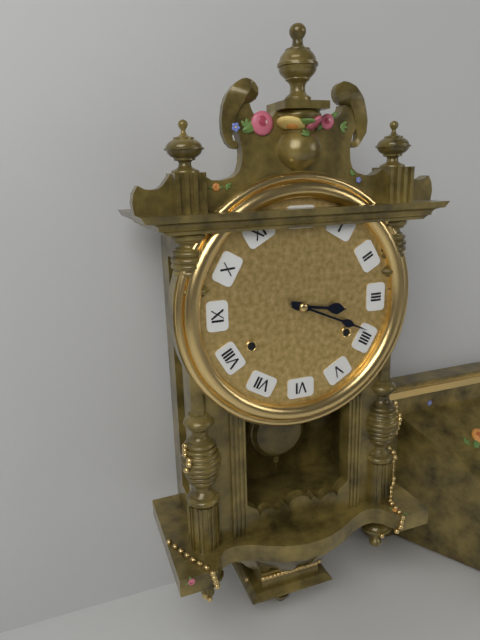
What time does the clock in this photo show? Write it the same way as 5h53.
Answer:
3h19
